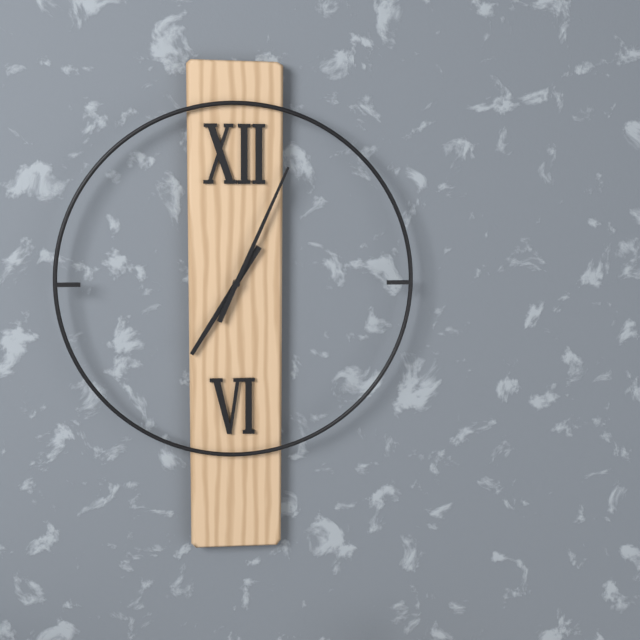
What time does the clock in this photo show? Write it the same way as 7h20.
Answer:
7h04
